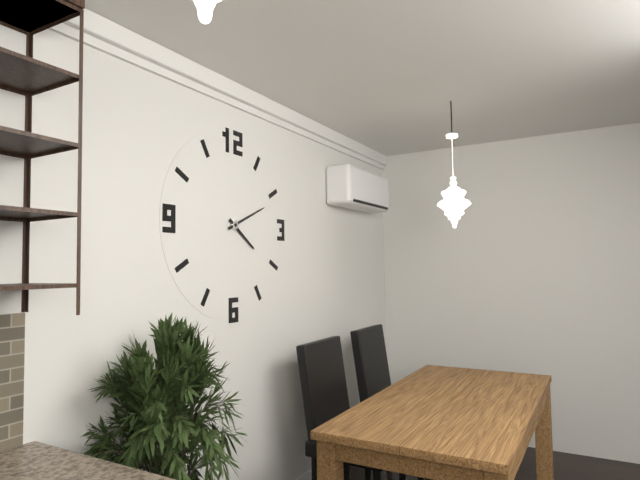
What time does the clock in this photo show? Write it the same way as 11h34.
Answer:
4h11
